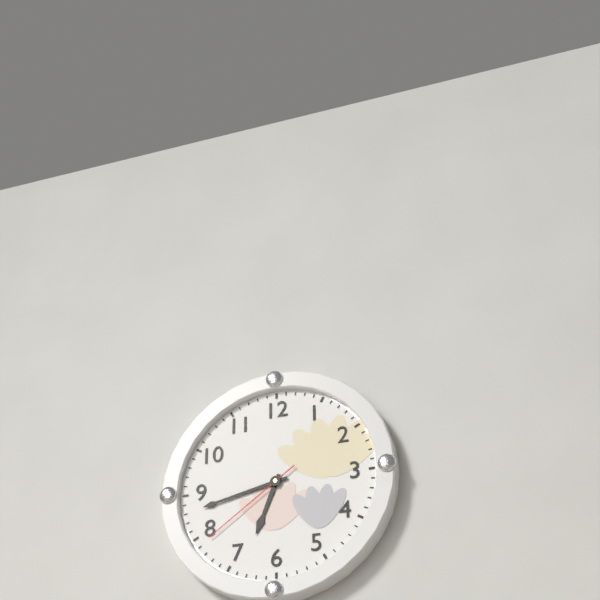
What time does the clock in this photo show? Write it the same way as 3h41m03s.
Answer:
6h43m39s
